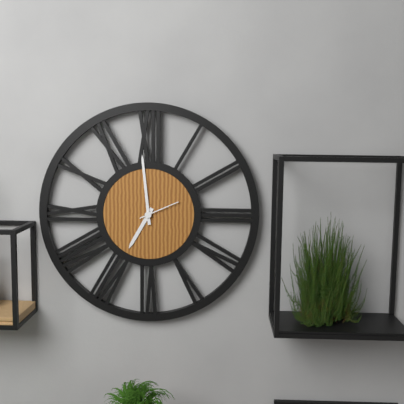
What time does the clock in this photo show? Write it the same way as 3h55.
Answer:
6h59
